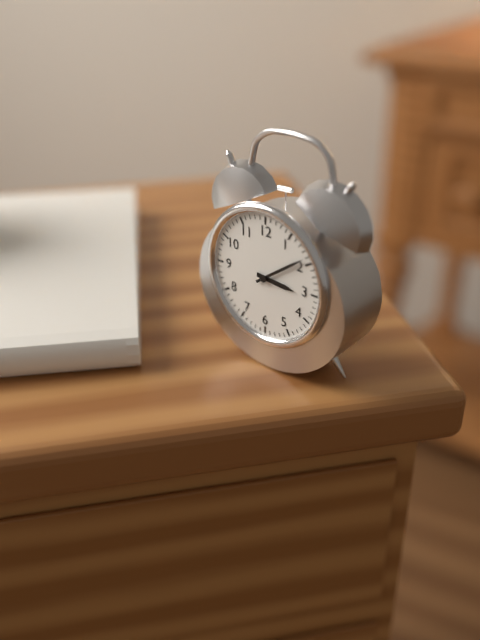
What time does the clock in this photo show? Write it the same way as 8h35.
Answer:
3h09
